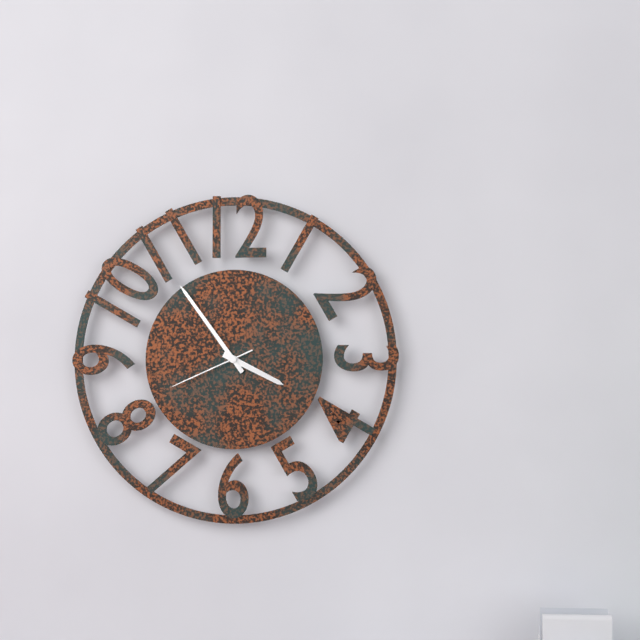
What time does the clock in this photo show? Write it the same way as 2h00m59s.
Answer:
3h54m41s
